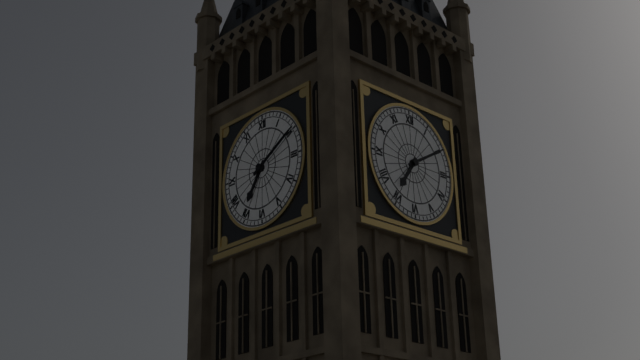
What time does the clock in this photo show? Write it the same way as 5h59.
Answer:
7h10
